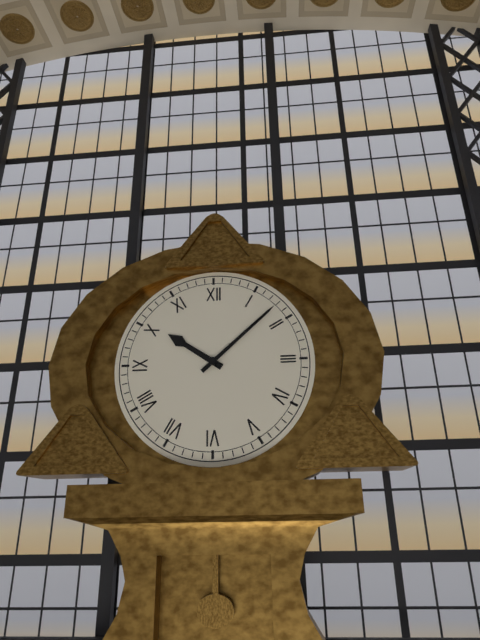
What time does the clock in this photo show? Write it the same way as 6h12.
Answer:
10h08
